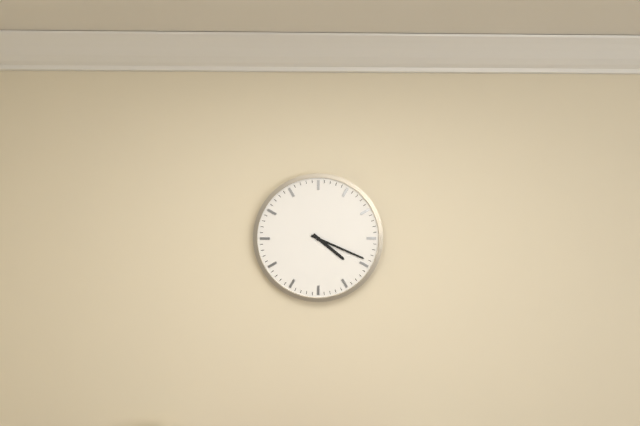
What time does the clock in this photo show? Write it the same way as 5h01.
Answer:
4h19
